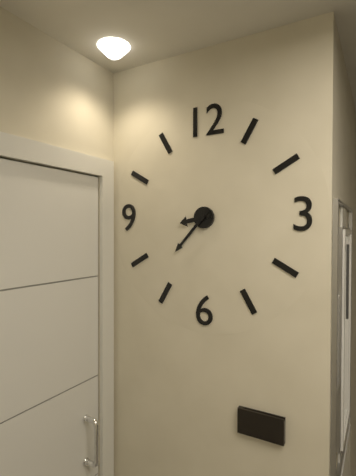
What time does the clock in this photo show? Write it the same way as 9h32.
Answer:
8h37
